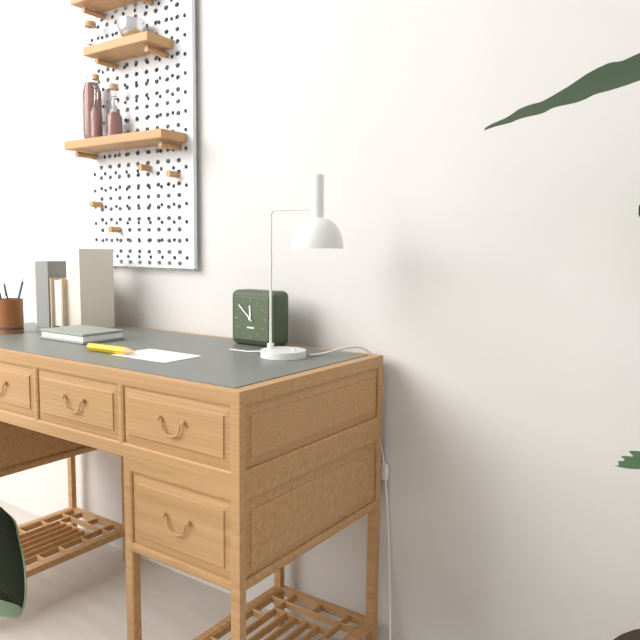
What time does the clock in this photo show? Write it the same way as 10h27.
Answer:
11h52
